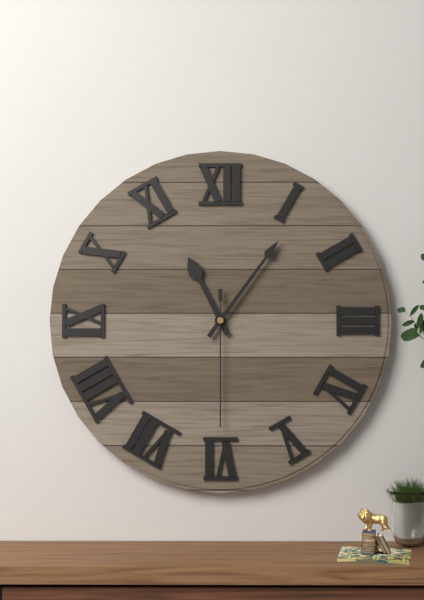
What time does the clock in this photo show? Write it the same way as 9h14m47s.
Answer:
11h06m30s
